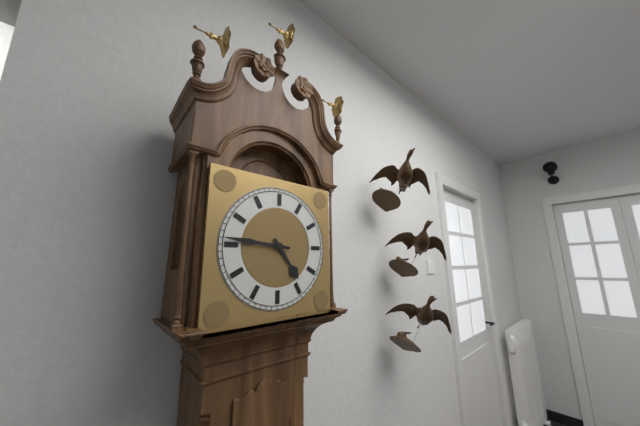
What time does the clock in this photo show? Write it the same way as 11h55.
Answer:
4h46
